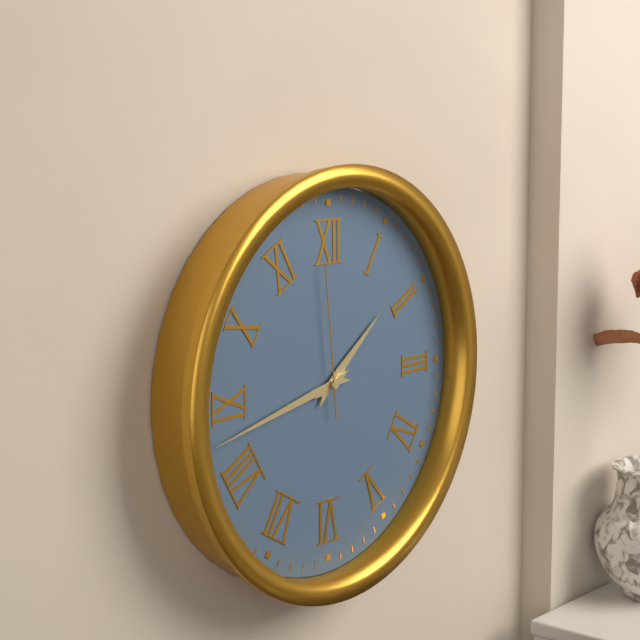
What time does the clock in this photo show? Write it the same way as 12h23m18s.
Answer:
1h43m59s
